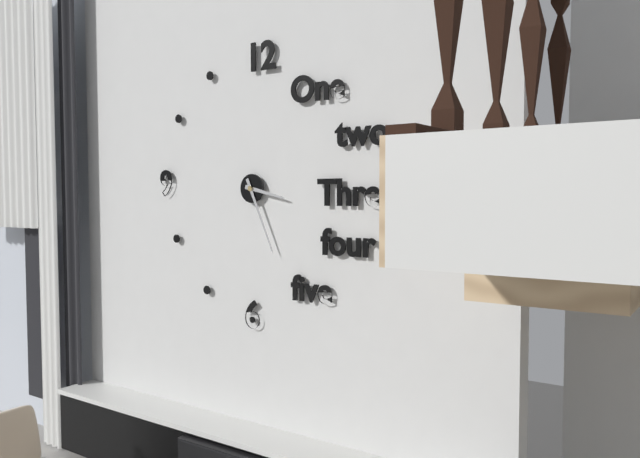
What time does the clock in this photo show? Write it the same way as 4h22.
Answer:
3h26
